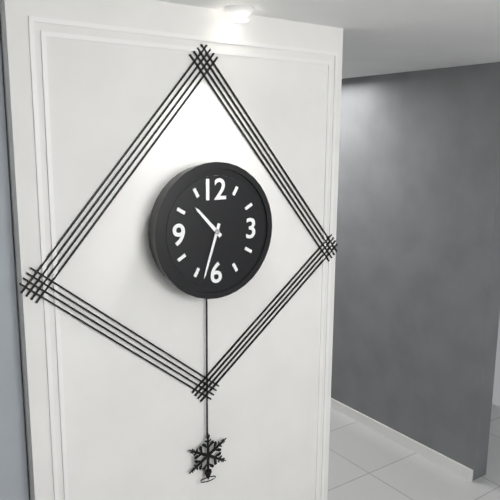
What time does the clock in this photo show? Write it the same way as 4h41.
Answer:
10h33
